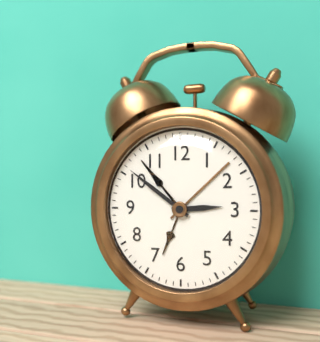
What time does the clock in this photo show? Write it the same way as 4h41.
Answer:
2h51
